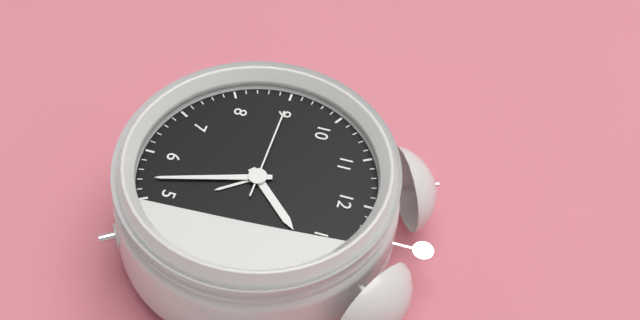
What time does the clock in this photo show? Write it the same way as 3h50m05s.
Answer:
1h27m45s
